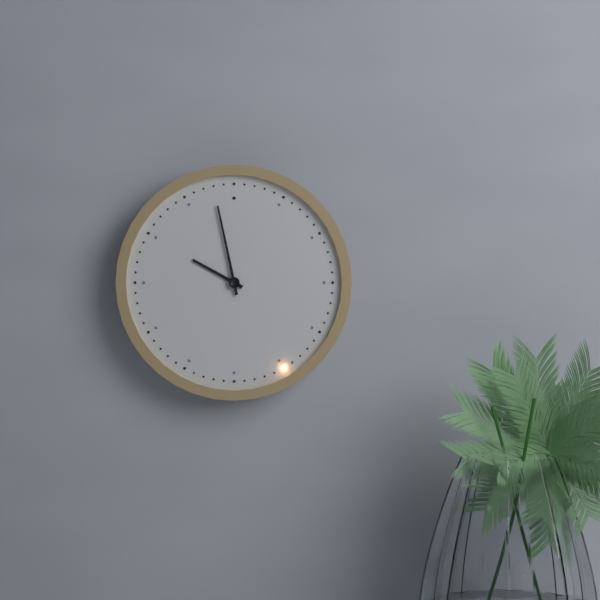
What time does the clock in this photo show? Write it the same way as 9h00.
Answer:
9h58
